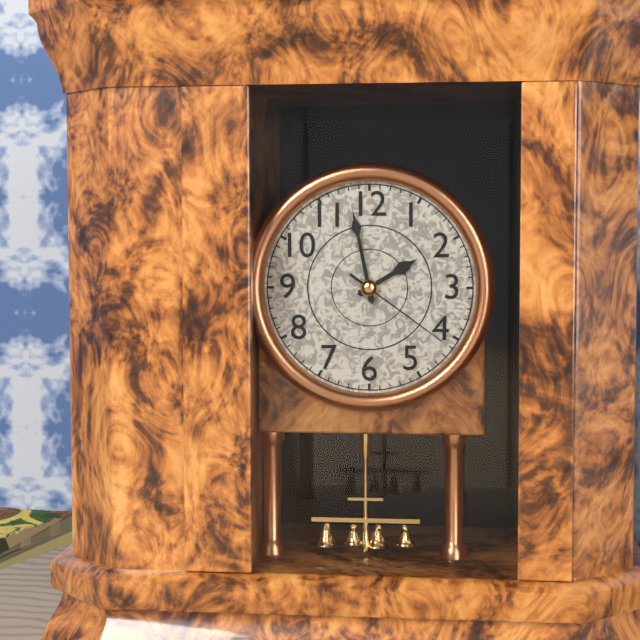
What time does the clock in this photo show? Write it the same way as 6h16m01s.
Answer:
1h58m21s
